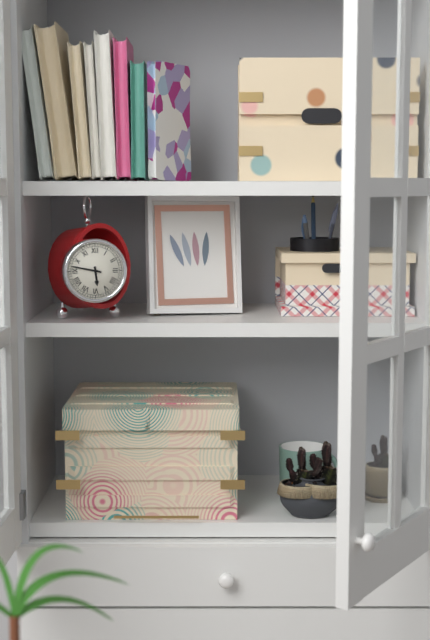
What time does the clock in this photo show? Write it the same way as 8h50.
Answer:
5h47
